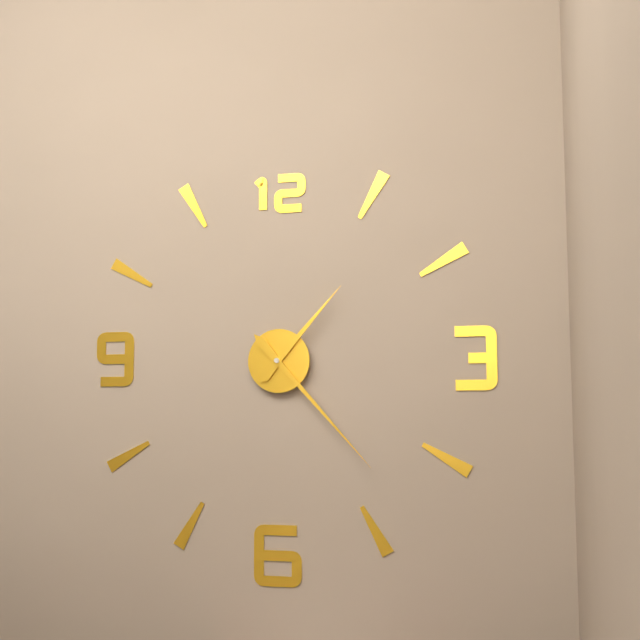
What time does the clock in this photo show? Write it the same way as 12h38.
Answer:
1h23
